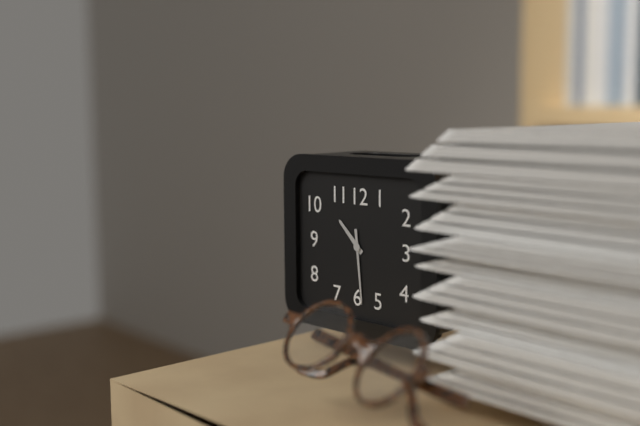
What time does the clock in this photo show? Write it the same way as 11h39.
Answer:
10h29
